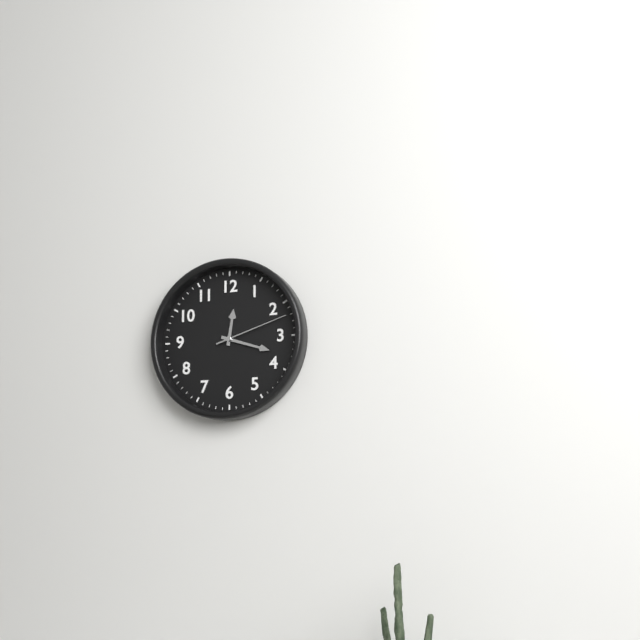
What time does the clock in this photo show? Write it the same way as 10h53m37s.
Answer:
12h18m12s
